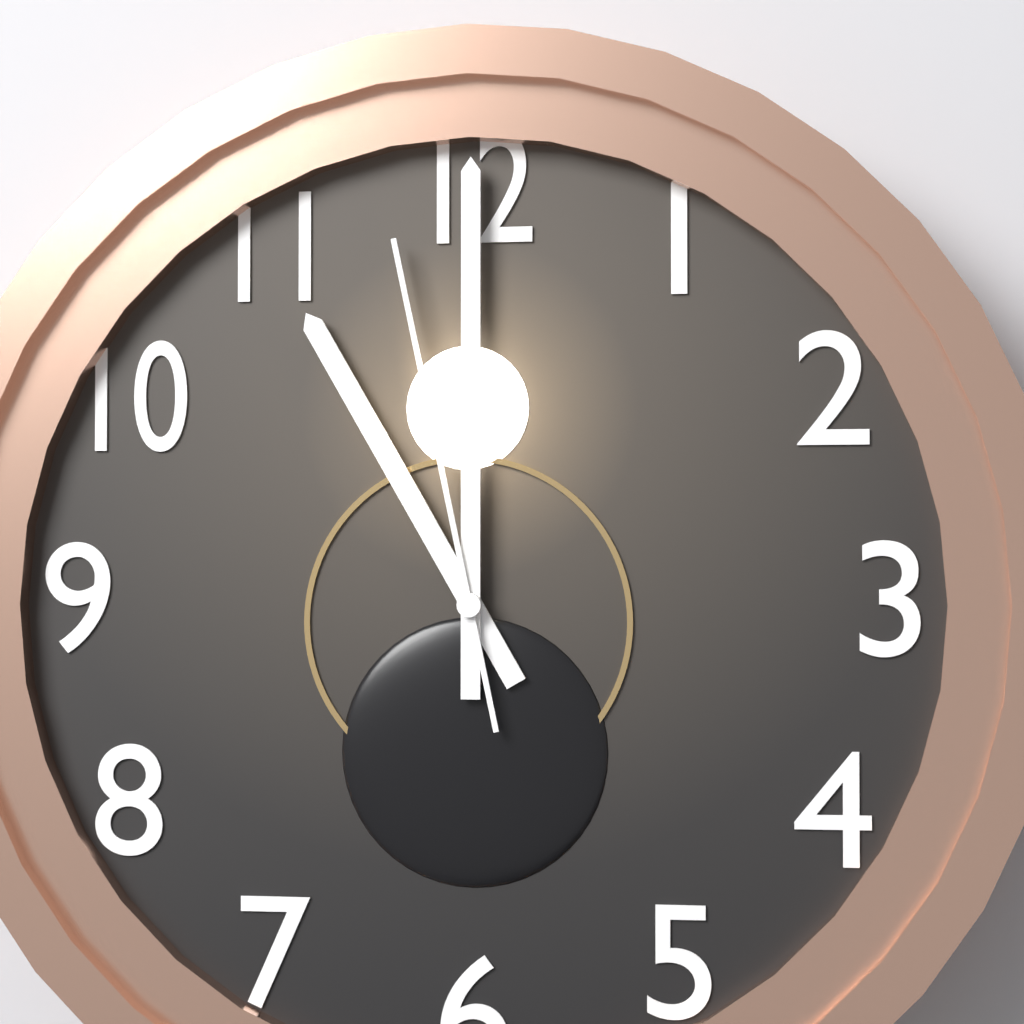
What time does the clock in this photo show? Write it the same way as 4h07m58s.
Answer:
11h00m58s
